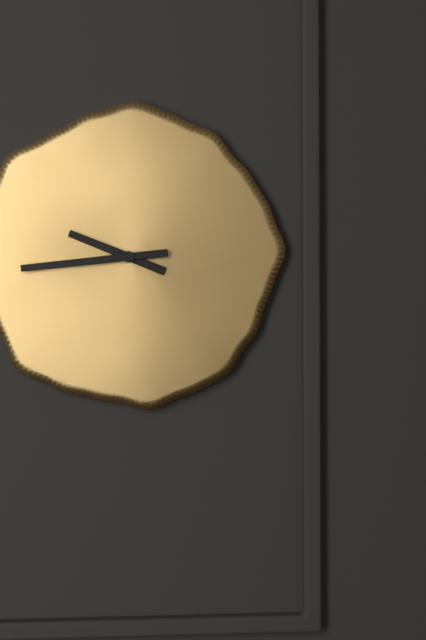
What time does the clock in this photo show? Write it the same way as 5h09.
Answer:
9h44
